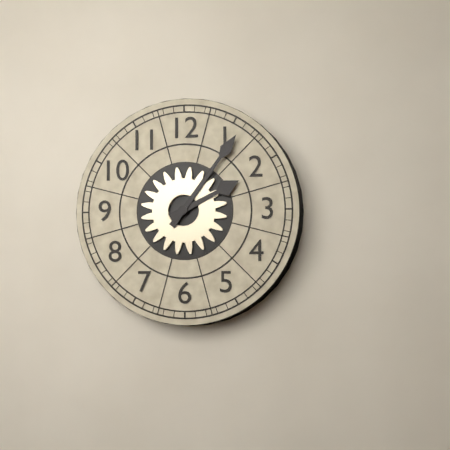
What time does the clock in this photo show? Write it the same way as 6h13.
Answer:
2h06
